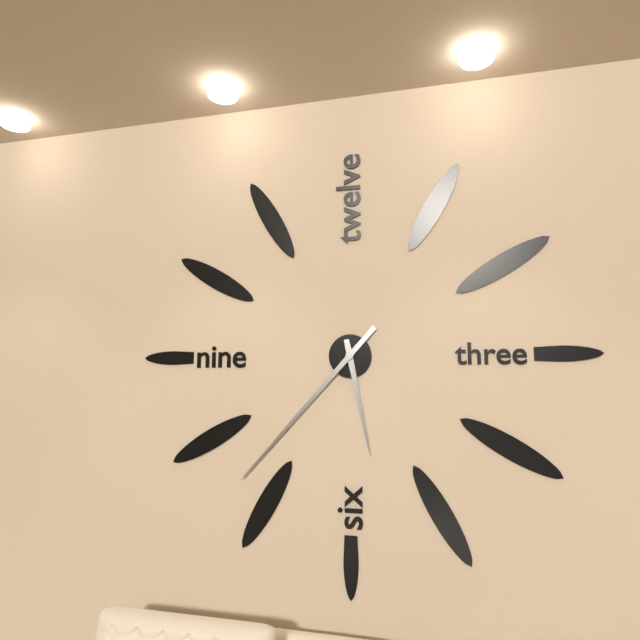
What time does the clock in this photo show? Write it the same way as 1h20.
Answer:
5h37
